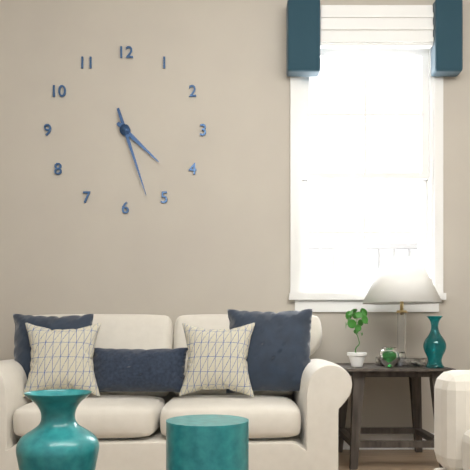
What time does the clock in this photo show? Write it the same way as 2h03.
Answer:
4h27
